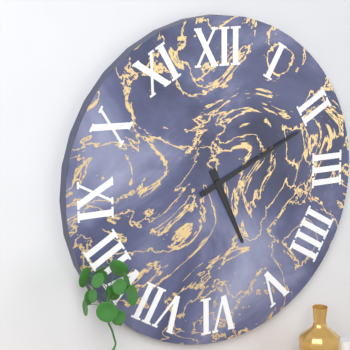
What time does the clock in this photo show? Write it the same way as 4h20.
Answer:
5h11
